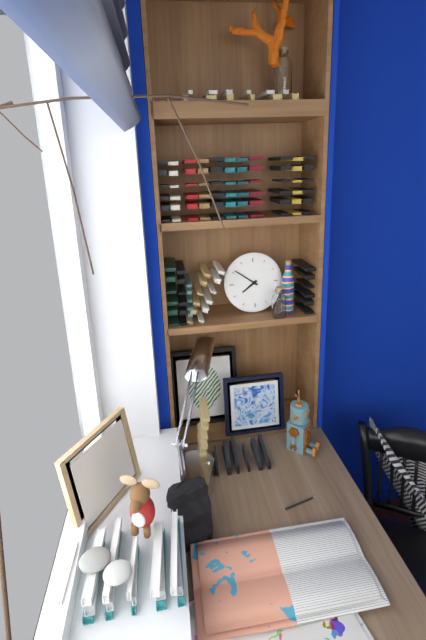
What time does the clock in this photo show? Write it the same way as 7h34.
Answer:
7h51
